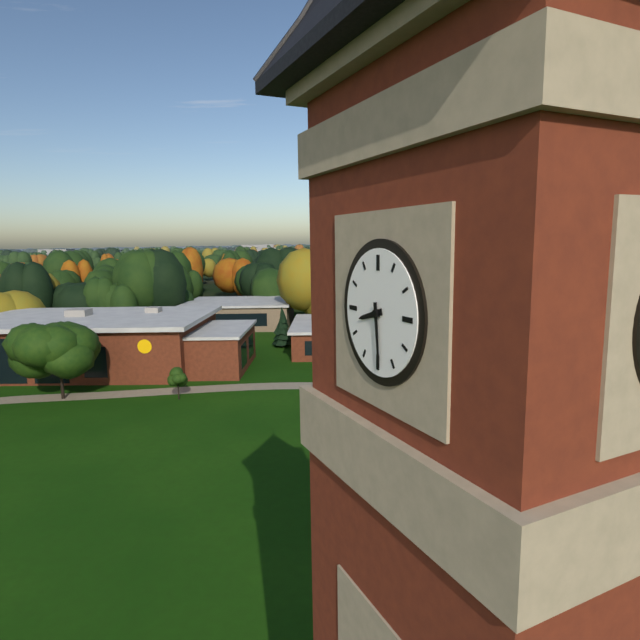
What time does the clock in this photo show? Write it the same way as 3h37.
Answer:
8h29
